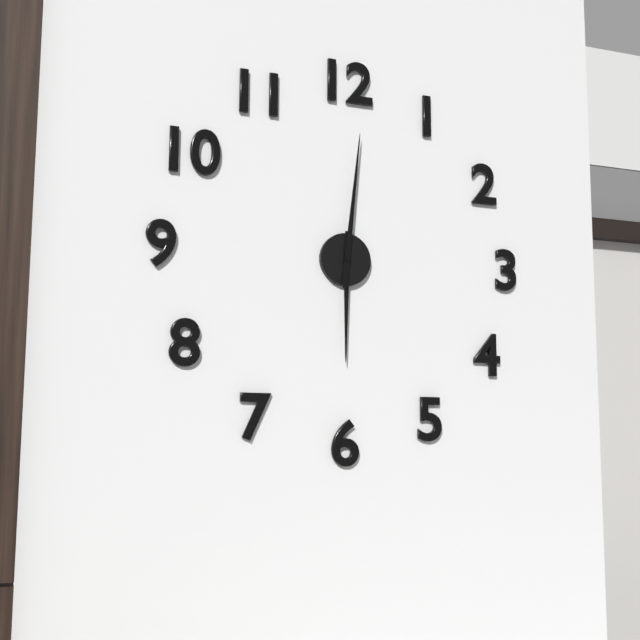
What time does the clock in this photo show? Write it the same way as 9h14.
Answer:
6h01
